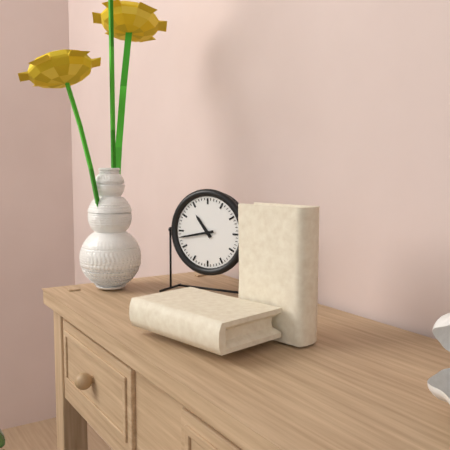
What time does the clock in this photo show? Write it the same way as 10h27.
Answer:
10h43
